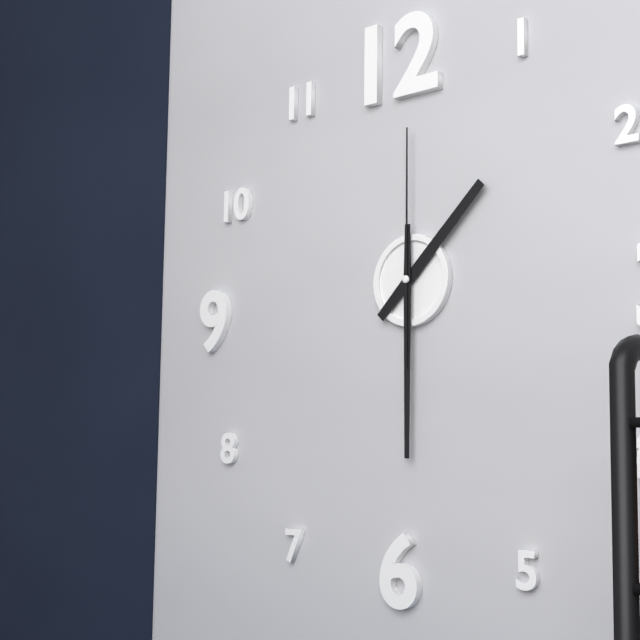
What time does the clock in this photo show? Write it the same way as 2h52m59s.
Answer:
1h30m00s
